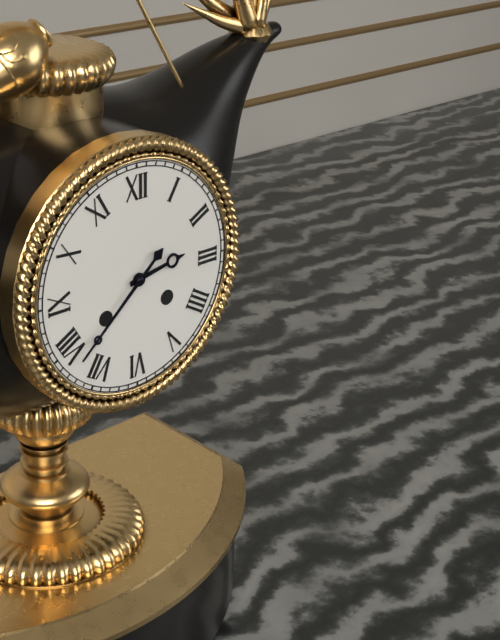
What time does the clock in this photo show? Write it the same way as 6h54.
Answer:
2h38
